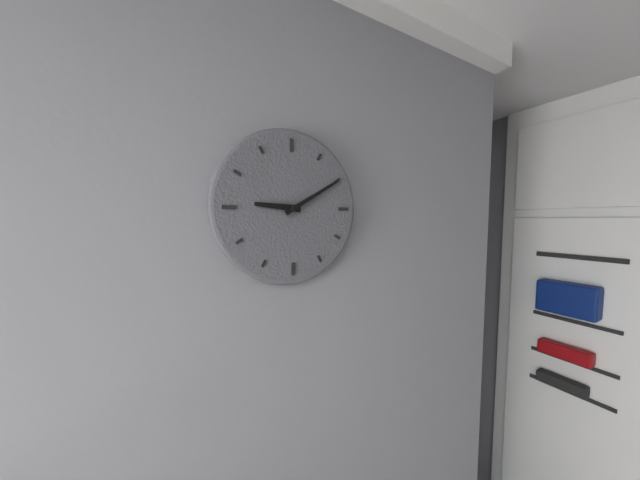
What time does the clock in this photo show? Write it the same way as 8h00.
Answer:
9h10
